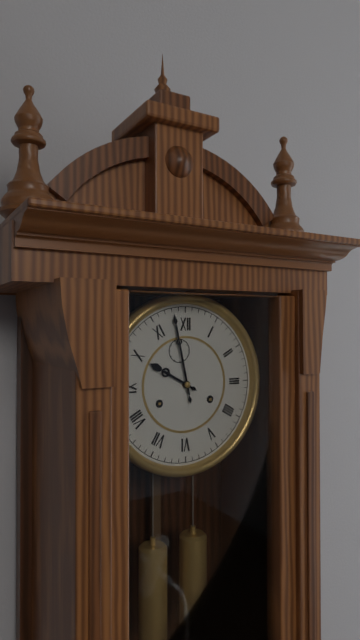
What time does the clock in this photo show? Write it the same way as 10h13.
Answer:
9h58
